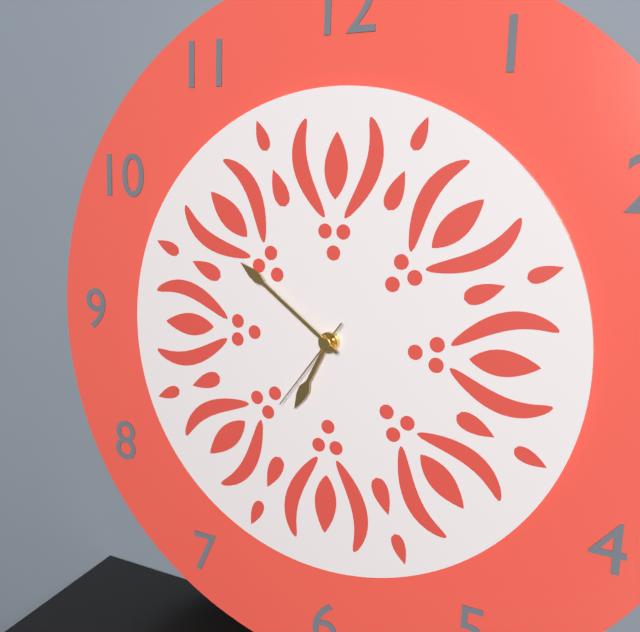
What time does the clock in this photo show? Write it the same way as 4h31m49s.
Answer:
6h51m36s
